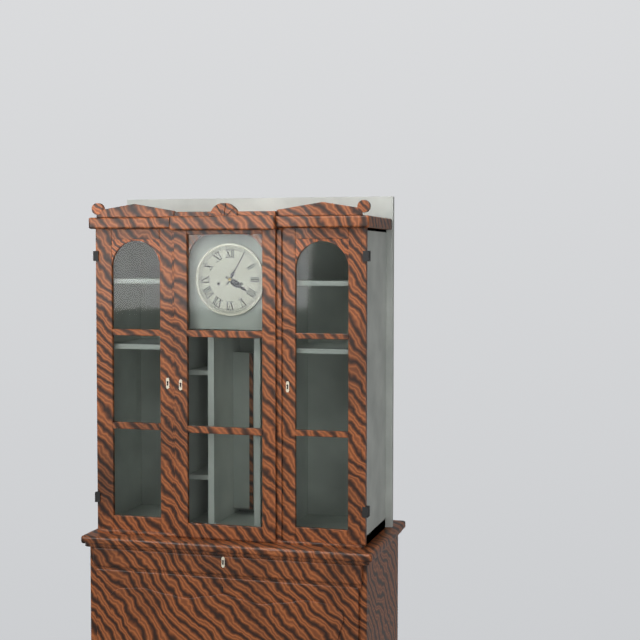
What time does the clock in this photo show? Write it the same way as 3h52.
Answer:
4h05
